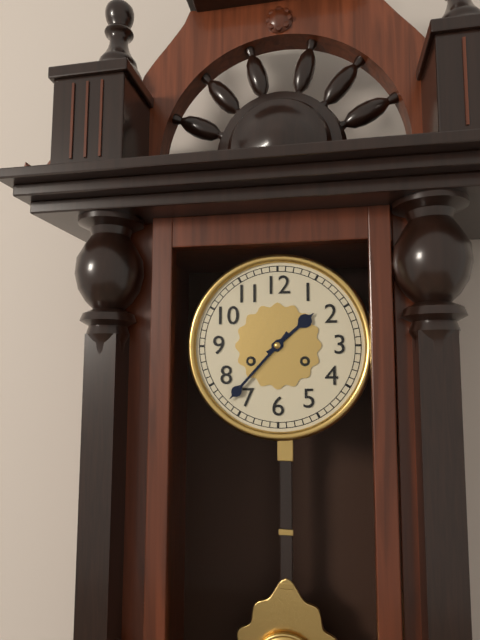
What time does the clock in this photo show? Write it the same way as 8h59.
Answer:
1h37
